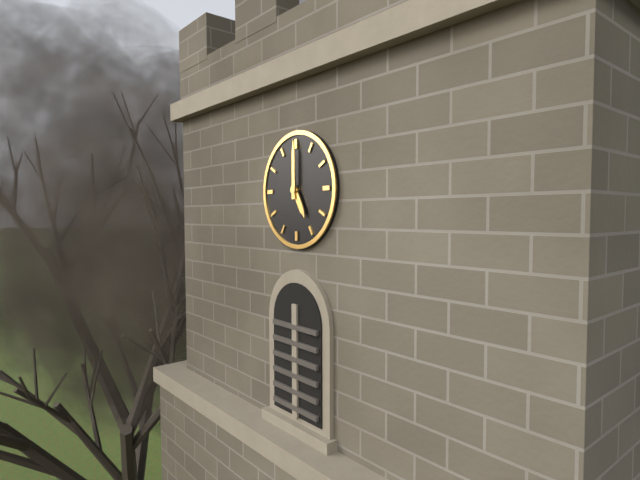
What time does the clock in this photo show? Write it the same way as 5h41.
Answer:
5h00
